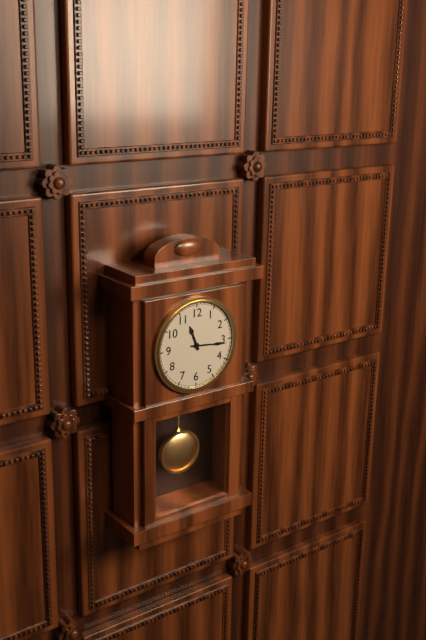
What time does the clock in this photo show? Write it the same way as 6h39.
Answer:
11h16
